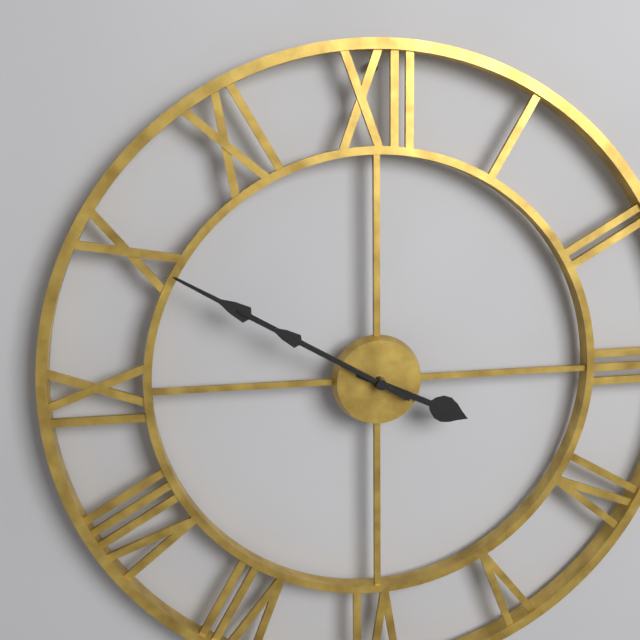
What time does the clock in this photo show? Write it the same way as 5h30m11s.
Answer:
3h50m50s
